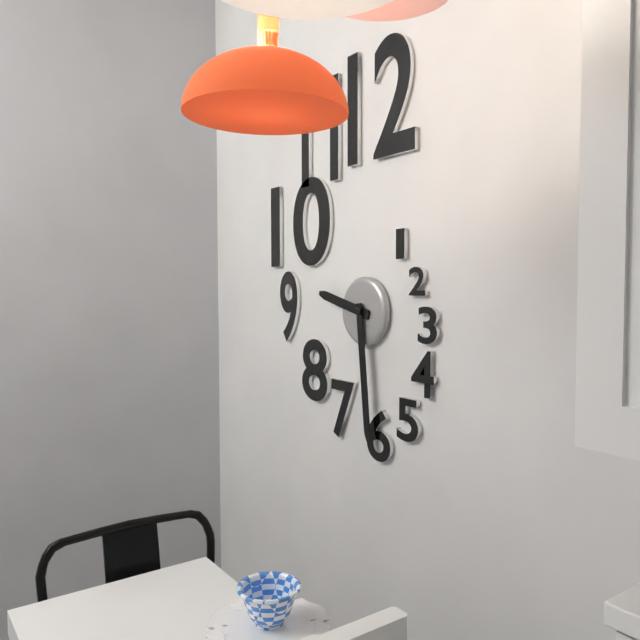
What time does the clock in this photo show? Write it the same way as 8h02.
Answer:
9h29
